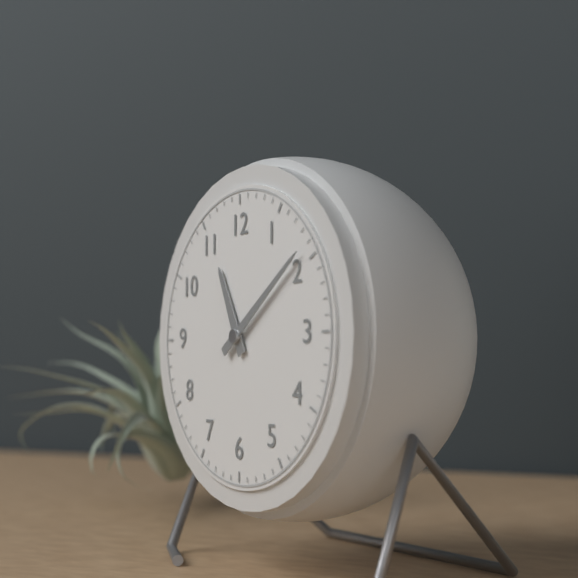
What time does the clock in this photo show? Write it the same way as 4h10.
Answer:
11h09
